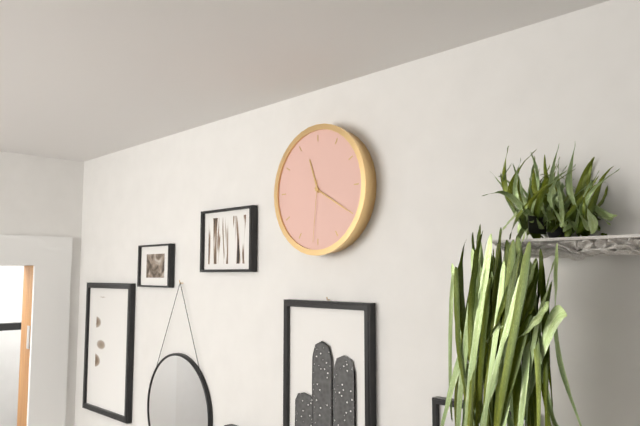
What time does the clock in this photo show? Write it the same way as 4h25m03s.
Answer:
11h20m31s
